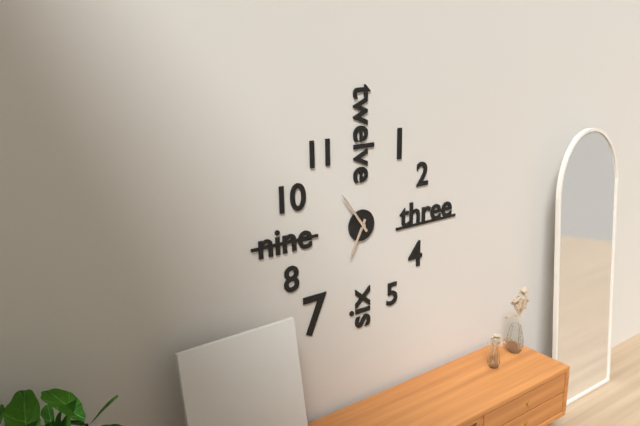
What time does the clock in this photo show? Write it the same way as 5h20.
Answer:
6h54
